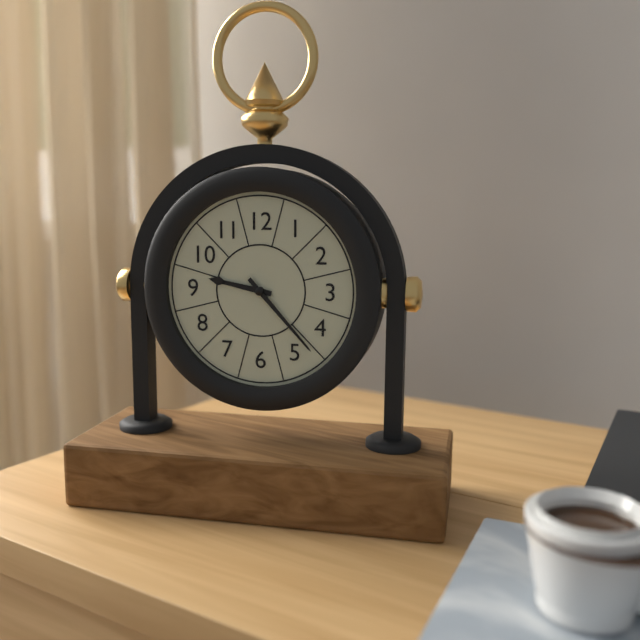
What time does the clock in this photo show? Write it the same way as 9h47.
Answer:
9h23
